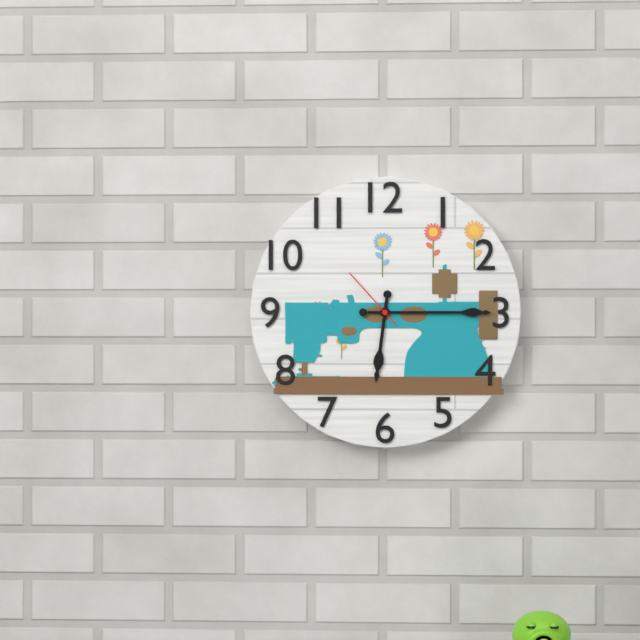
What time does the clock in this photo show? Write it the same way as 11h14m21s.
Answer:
6h15m53s
